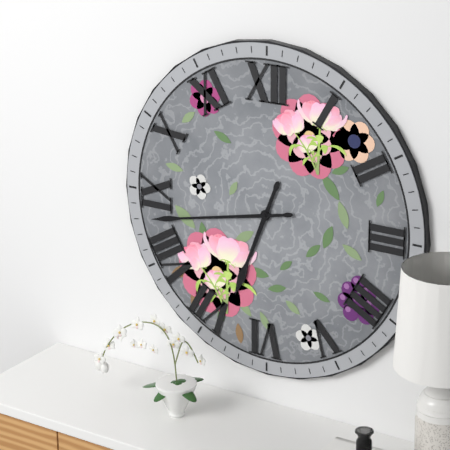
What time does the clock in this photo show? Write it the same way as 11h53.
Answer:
6h43
